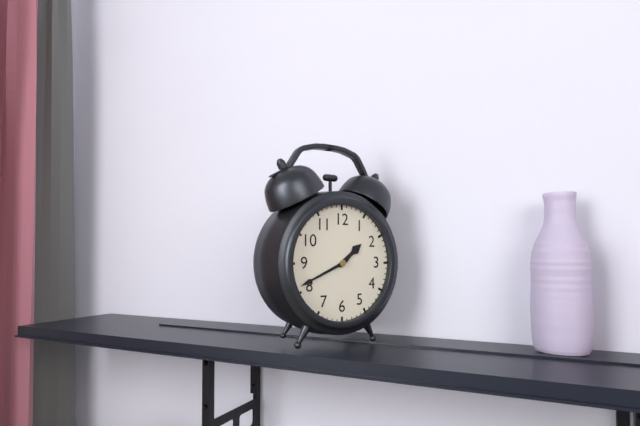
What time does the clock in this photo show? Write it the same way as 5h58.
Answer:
1h41
